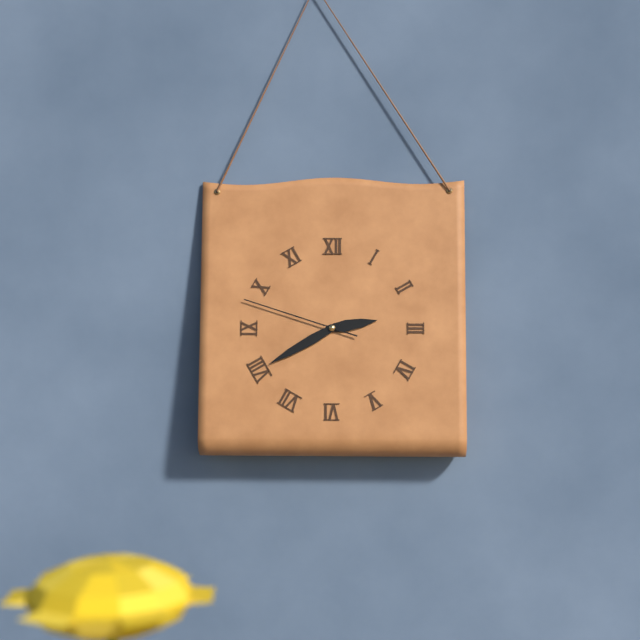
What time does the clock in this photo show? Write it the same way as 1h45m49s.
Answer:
2h40m48s
